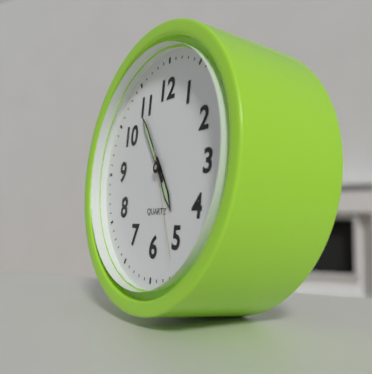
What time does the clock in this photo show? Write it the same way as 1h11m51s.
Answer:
4h54m26s
